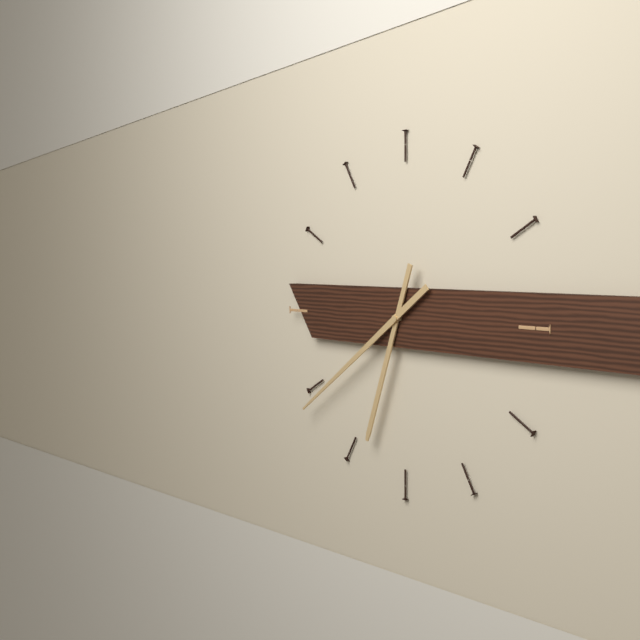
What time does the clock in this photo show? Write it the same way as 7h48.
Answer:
6h39
